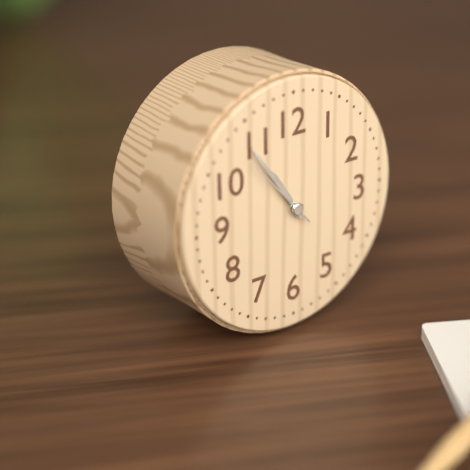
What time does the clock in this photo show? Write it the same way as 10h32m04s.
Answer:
10h54m53s
